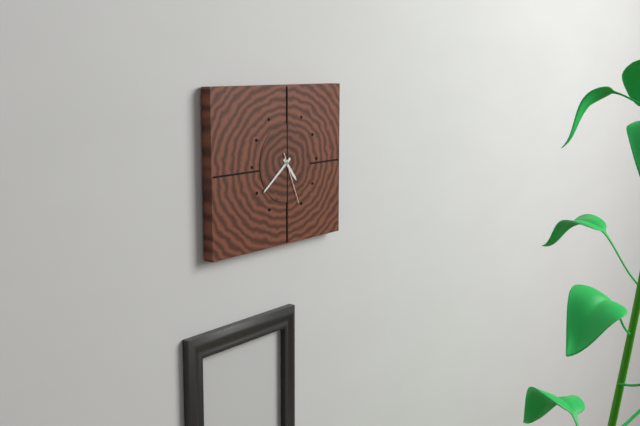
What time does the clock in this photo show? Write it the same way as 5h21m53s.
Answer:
4h39m26s
